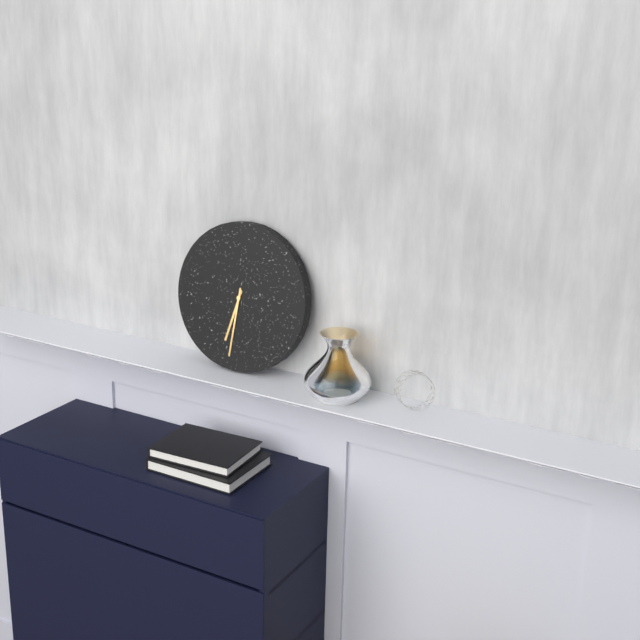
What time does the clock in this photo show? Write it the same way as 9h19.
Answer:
6h31
